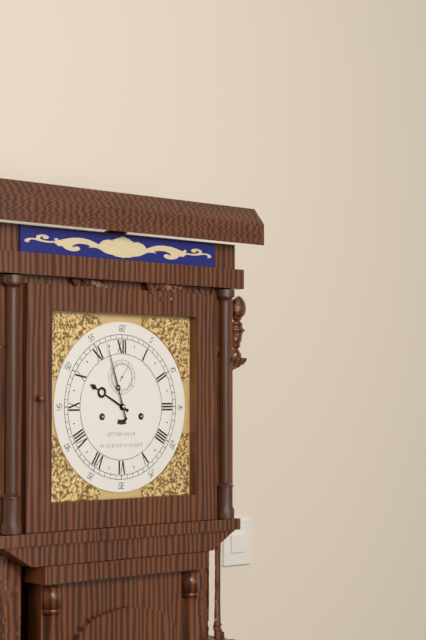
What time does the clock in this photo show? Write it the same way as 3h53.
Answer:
9h57
